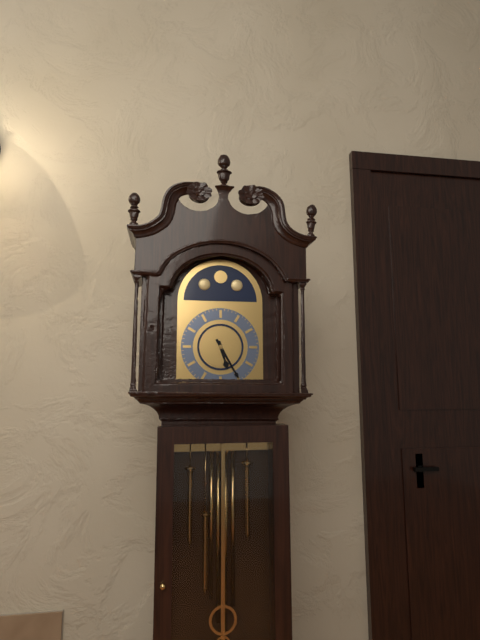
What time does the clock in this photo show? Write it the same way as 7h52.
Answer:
5h25
